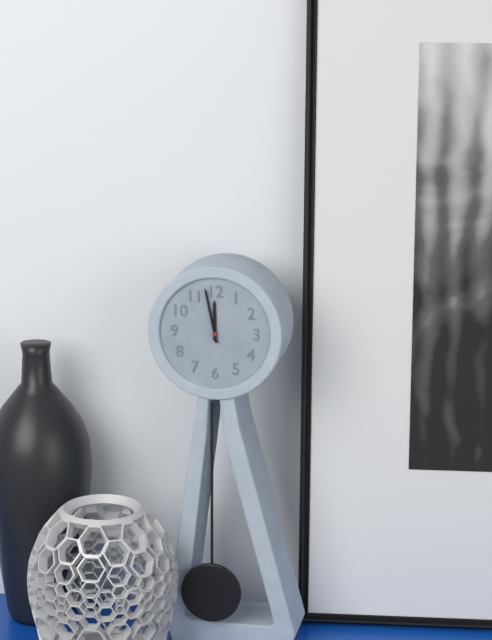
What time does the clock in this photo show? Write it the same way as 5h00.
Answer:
11h58
